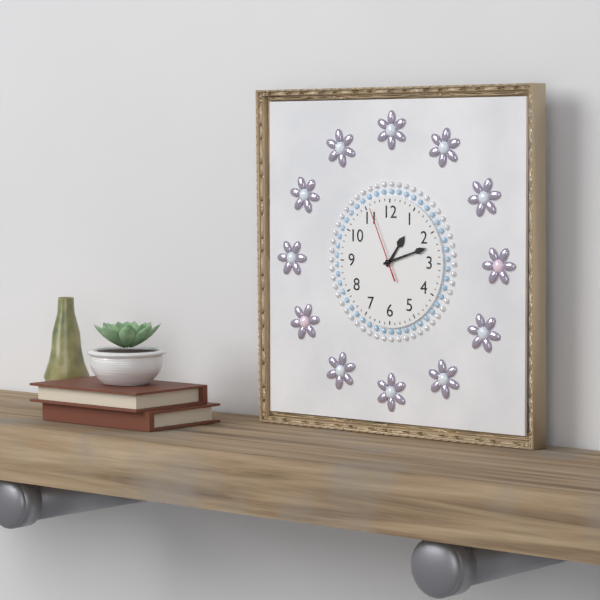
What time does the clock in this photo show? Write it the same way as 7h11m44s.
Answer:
1h12m56s
